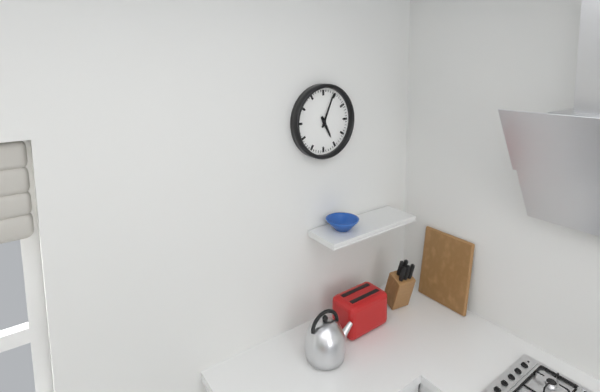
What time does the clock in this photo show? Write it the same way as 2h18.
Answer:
5h04
